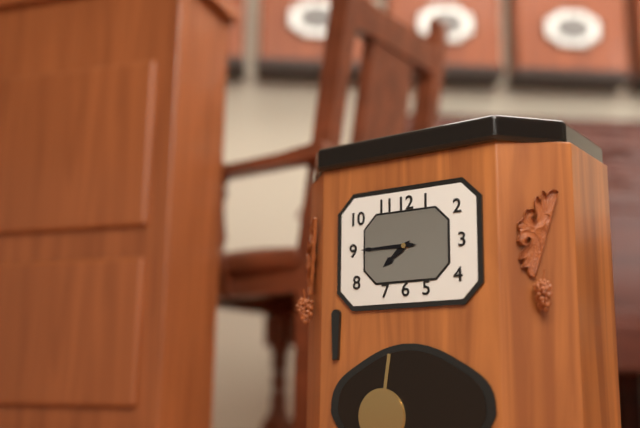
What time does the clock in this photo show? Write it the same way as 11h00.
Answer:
7h45
